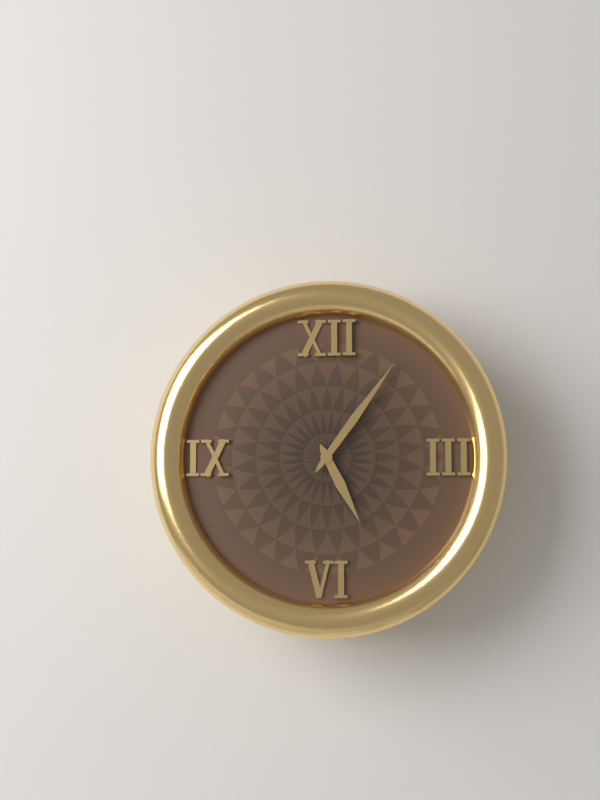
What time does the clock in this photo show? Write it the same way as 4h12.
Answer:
5h06
